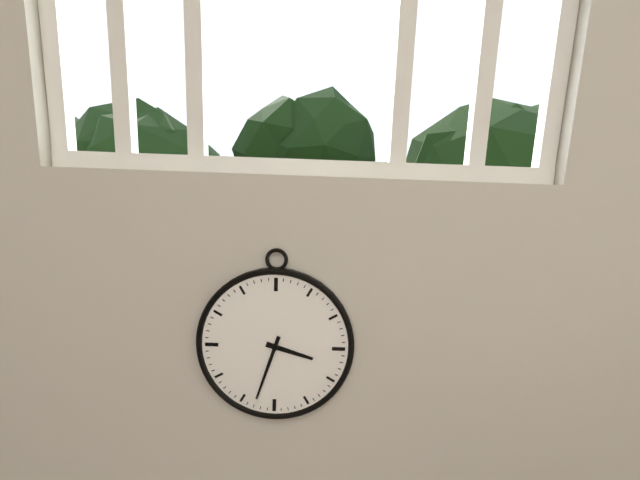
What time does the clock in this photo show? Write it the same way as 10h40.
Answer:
3h33
